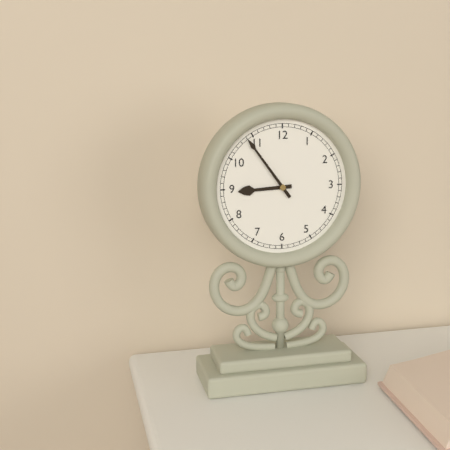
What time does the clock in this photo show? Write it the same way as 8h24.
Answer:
8h54
